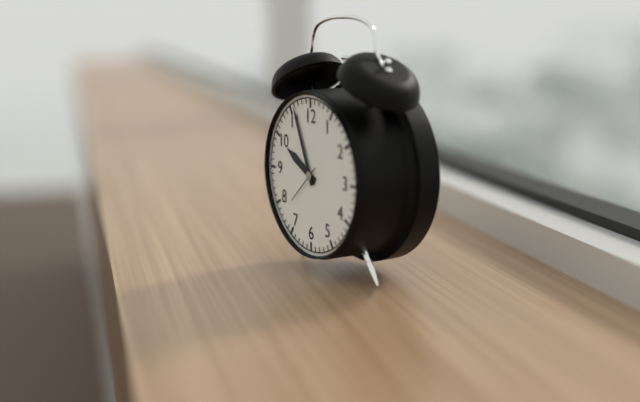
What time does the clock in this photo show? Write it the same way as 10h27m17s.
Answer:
9h56m38s
